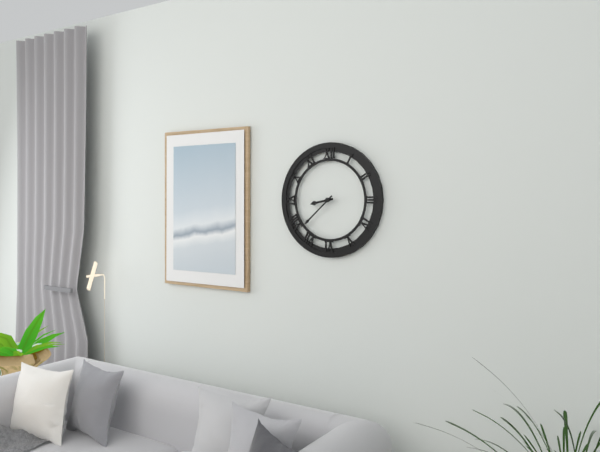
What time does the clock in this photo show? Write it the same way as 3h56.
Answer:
8h38
